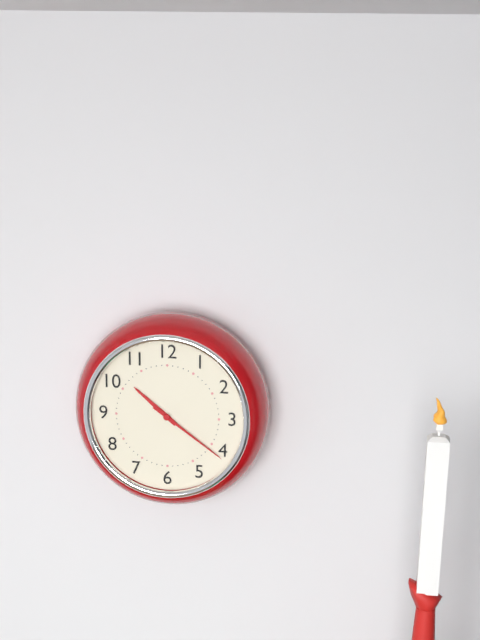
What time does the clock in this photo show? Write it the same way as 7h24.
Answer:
10h21
